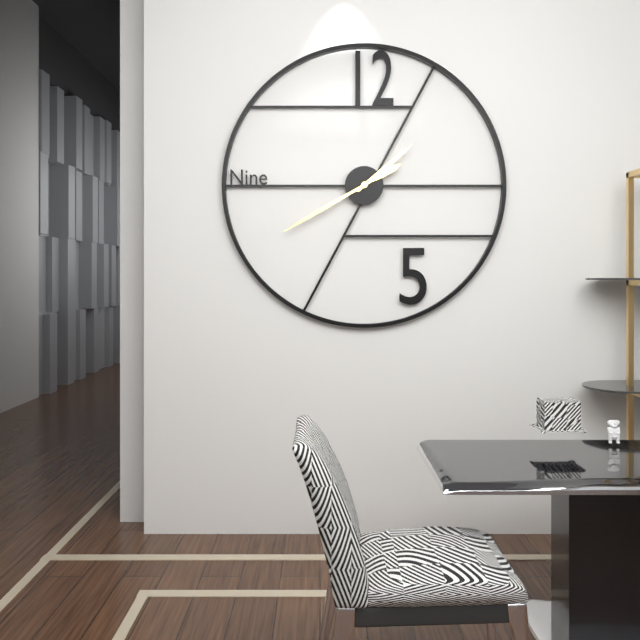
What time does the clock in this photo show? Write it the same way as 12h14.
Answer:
1h40
